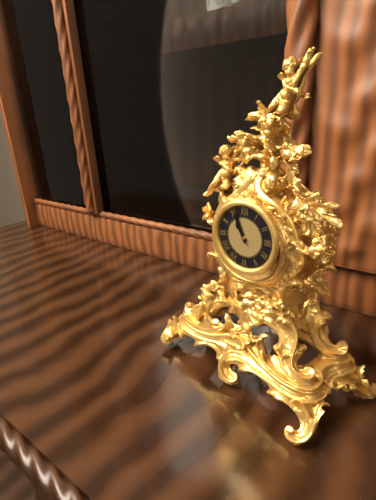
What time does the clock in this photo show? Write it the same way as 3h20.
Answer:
10h56
